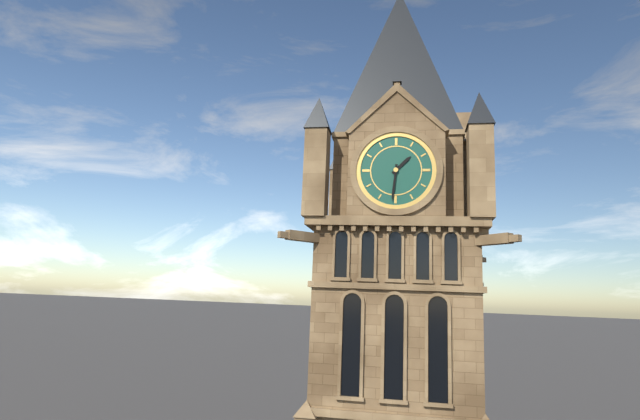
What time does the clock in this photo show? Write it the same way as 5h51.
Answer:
1h31
